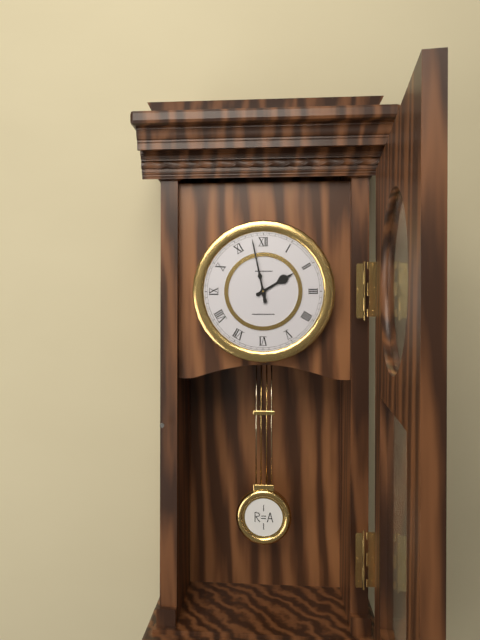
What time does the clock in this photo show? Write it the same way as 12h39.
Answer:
1h58
